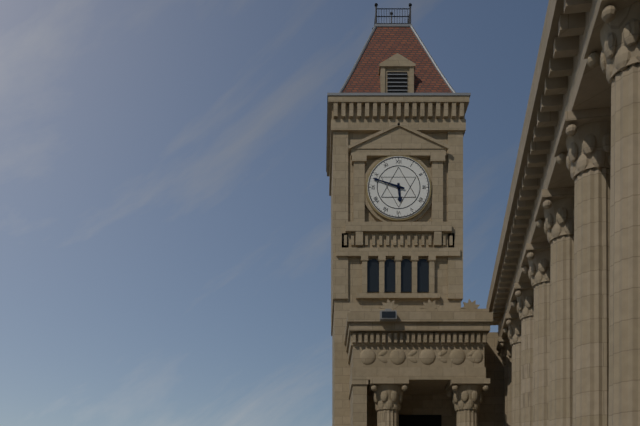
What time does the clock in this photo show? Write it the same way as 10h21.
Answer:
5h48
